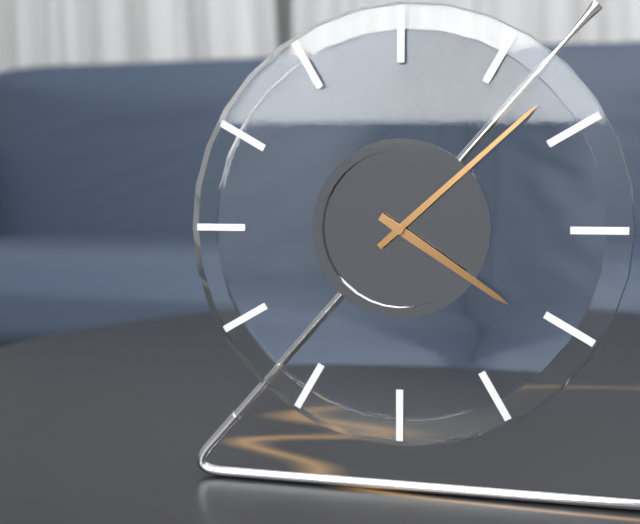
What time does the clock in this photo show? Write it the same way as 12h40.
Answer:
4h08
